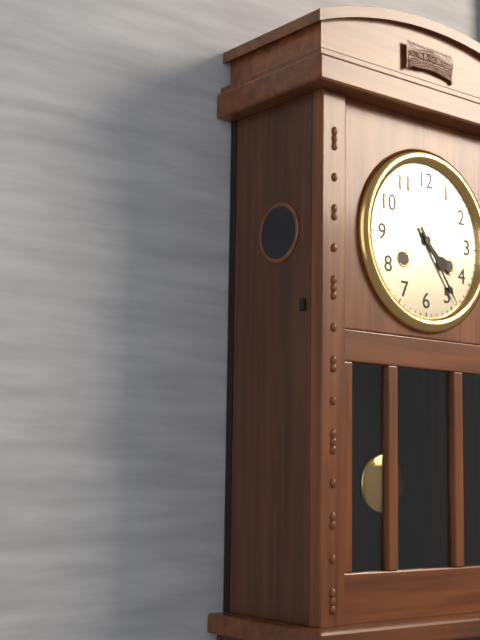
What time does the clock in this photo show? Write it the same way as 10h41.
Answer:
4h24
